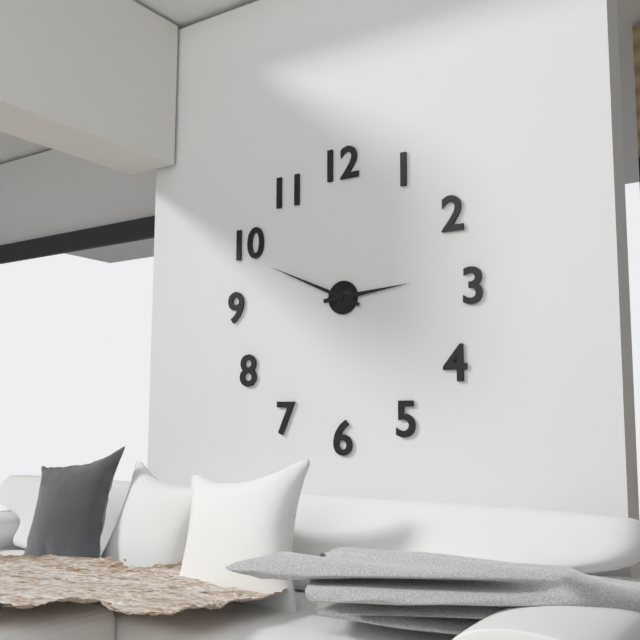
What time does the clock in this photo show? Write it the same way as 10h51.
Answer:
2h49
